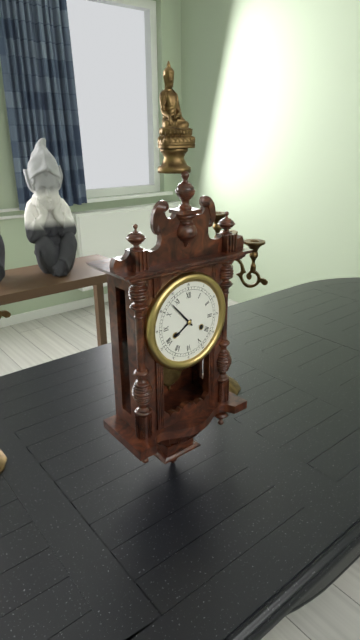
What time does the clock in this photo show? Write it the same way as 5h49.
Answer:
7h53
